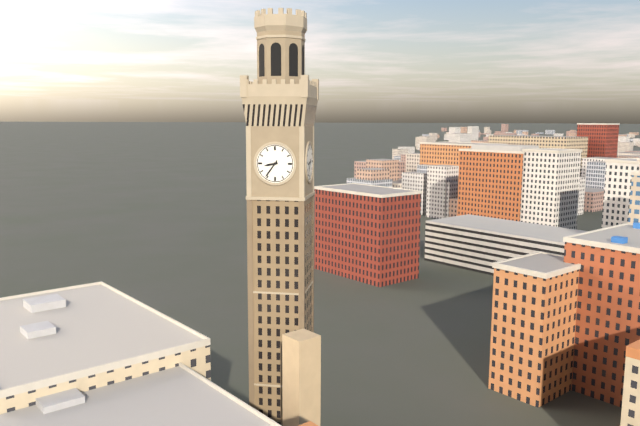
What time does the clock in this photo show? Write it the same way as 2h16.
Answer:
8h36
